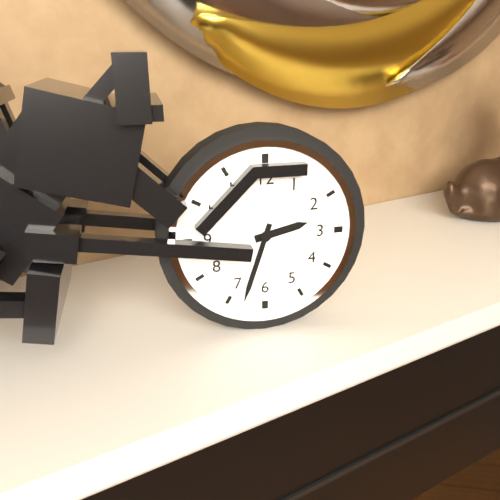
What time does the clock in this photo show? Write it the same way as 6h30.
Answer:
2h33
